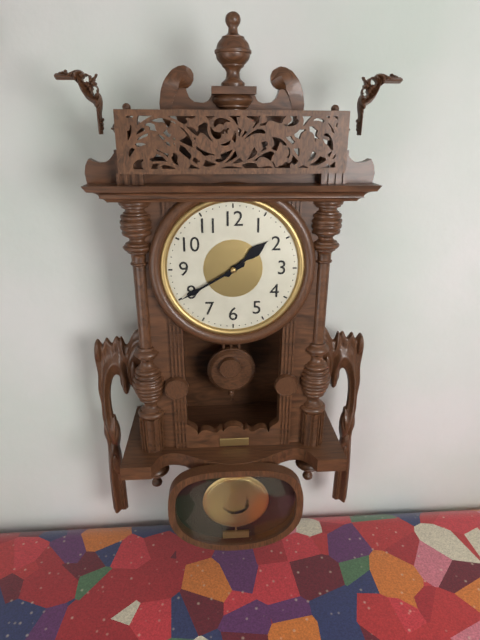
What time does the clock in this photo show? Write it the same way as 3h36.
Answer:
1h40
